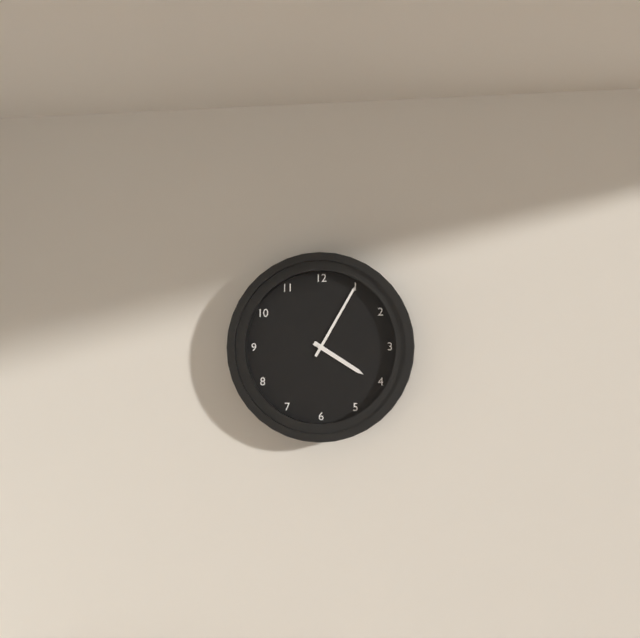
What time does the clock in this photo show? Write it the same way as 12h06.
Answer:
4h05
